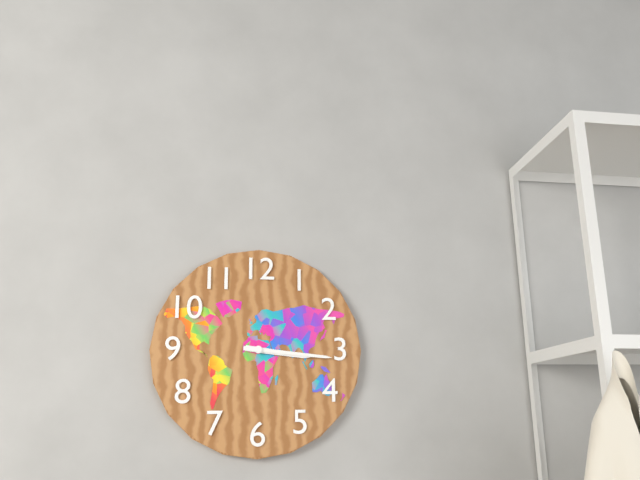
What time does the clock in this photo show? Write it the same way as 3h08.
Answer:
3h16
